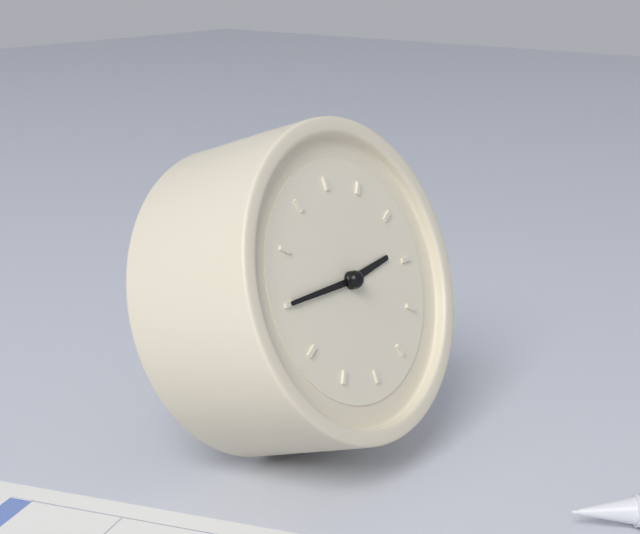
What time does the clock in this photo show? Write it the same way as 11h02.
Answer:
2h45
